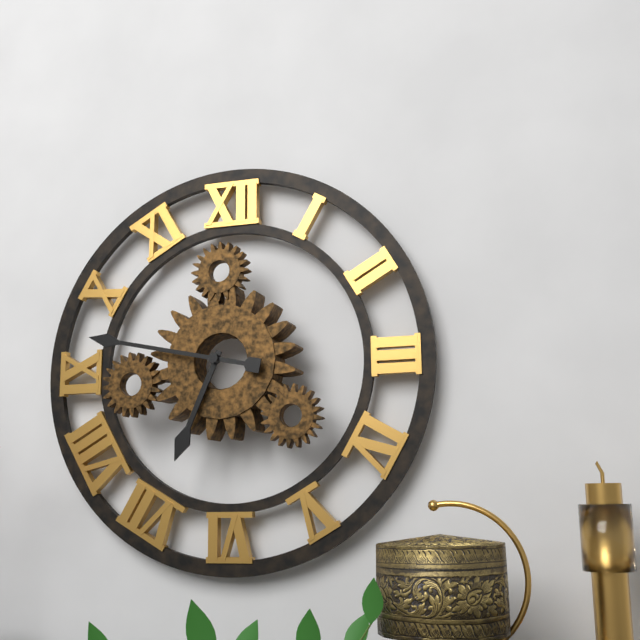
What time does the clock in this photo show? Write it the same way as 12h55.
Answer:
6h47
